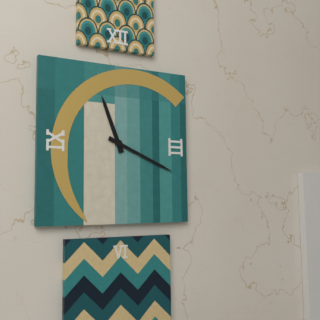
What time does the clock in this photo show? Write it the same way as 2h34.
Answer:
11h19
